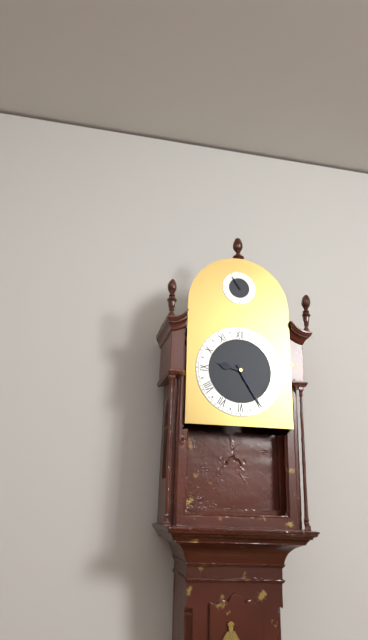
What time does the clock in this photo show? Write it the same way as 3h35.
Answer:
9h25
